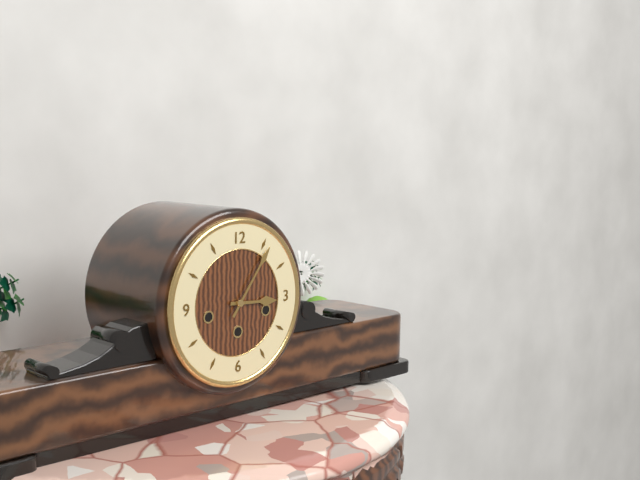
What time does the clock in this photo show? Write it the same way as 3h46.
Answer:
3h06
